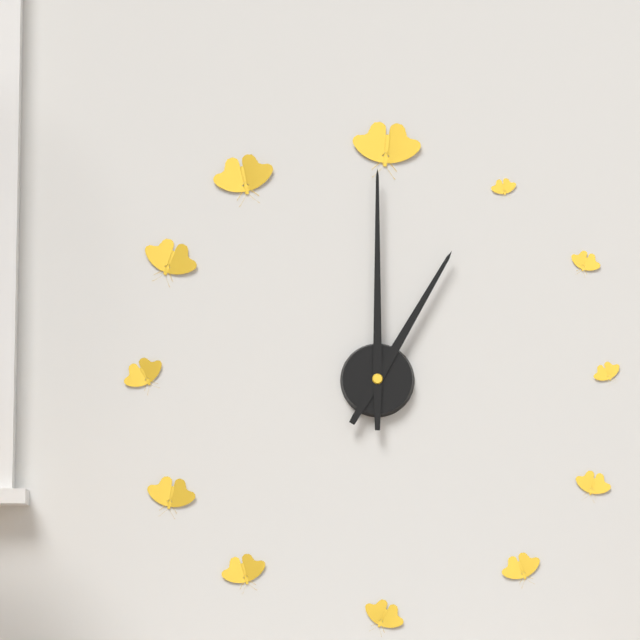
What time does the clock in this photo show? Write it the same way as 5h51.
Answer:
1h00
